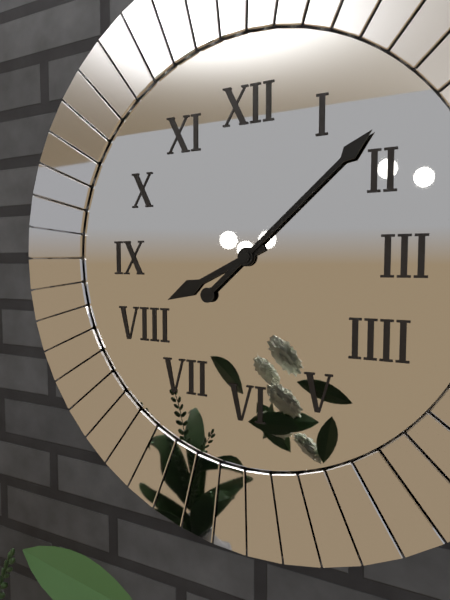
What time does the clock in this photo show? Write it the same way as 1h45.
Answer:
8h08
